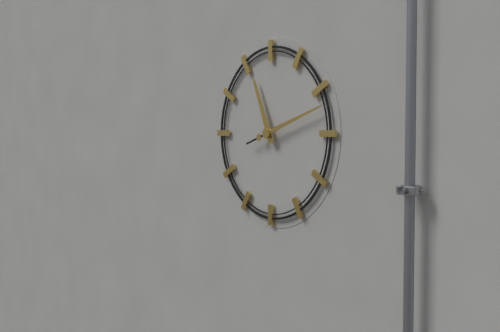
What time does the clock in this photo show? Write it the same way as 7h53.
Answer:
11h12
